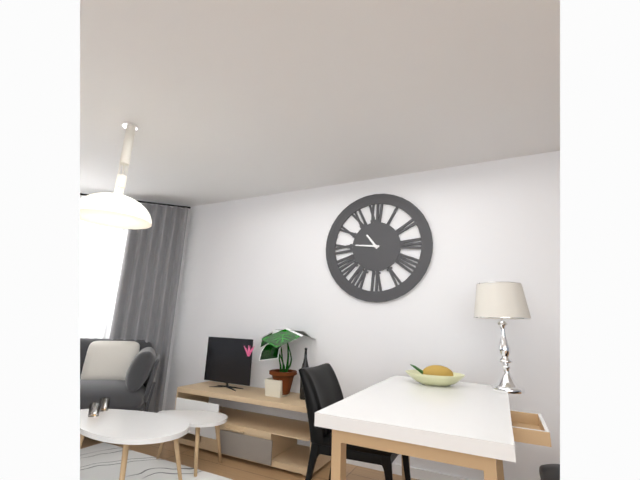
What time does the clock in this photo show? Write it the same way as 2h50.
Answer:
10h46
